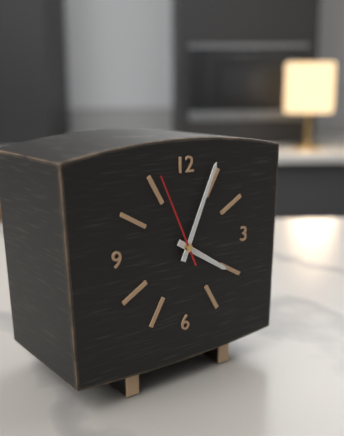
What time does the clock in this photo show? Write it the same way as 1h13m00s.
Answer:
4h04m56s
